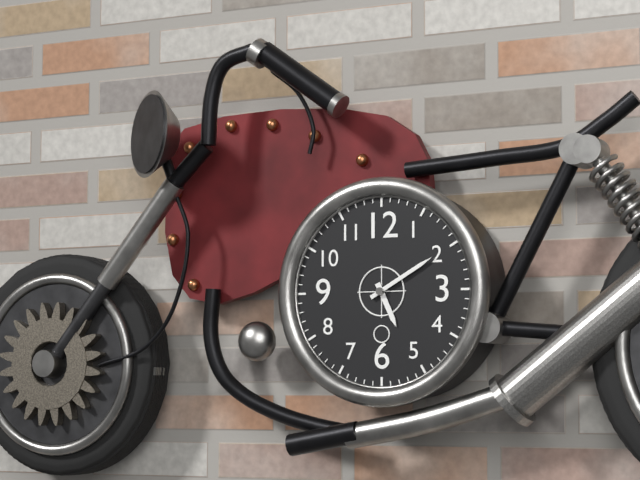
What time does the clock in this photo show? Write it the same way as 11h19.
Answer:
5h10
